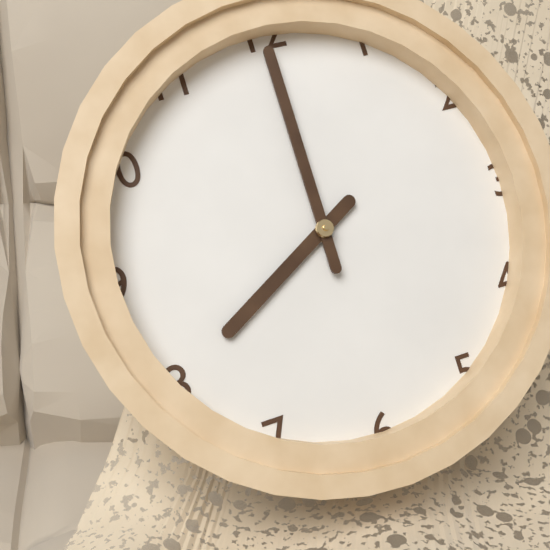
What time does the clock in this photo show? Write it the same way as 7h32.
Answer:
8h00
